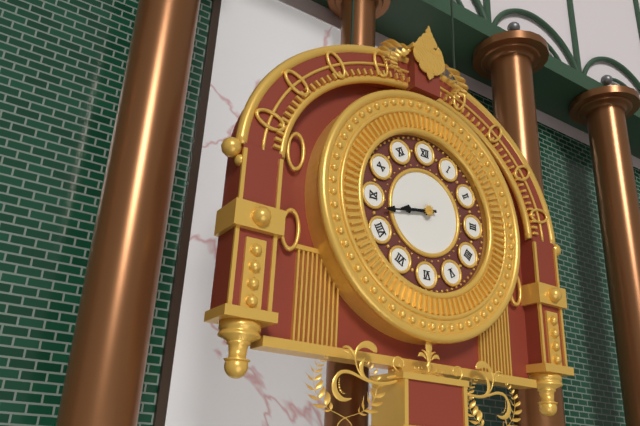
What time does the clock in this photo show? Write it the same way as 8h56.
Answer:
8h43
